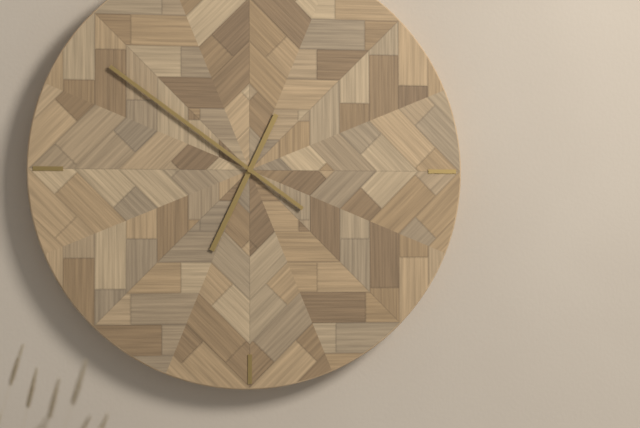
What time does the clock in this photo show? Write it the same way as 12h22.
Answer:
6h51
